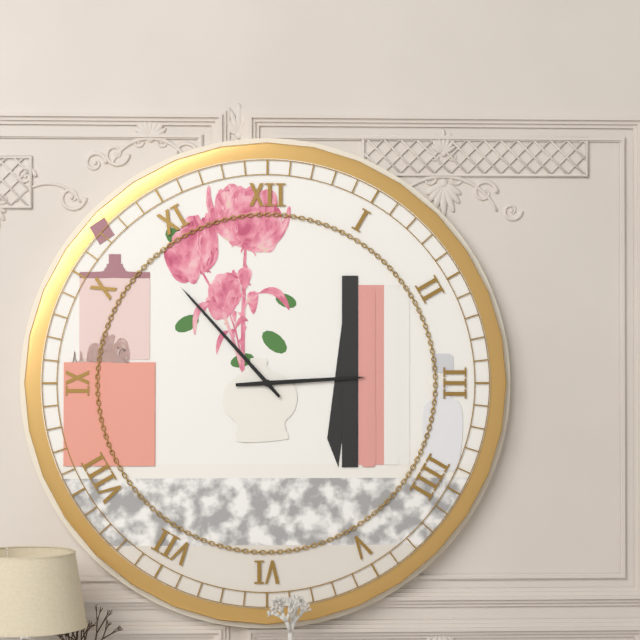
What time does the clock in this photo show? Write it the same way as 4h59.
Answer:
2h53
